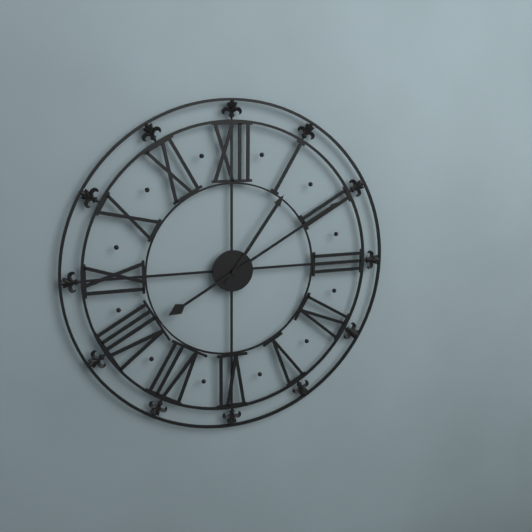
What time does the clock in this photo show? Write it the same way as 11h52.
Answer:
1h10
